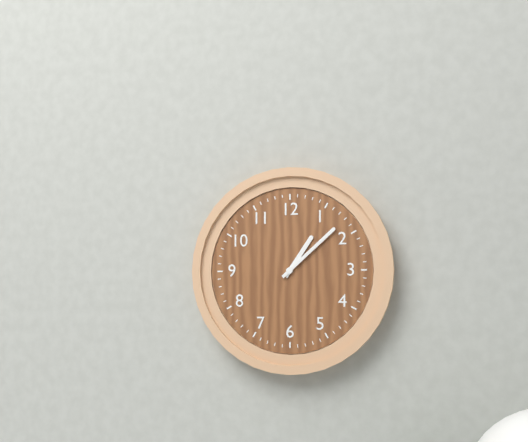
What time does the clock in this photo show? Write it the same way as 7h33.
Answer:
1h08
